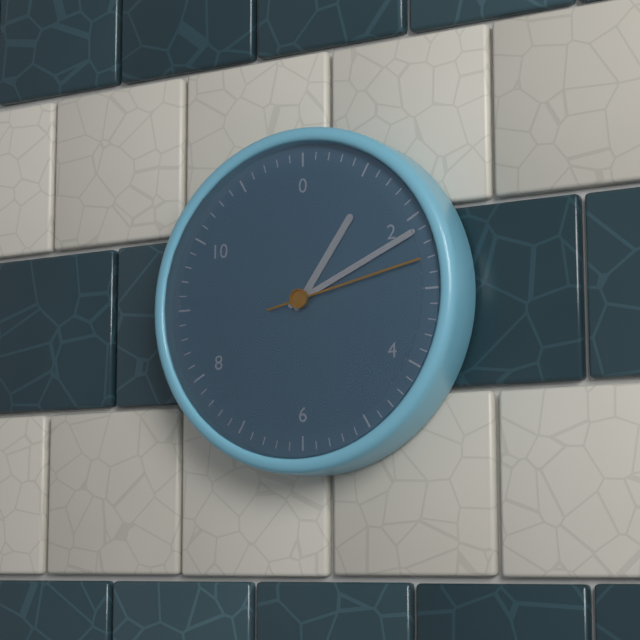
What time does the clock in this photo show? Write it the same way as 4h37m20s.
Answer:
1h11m13s
